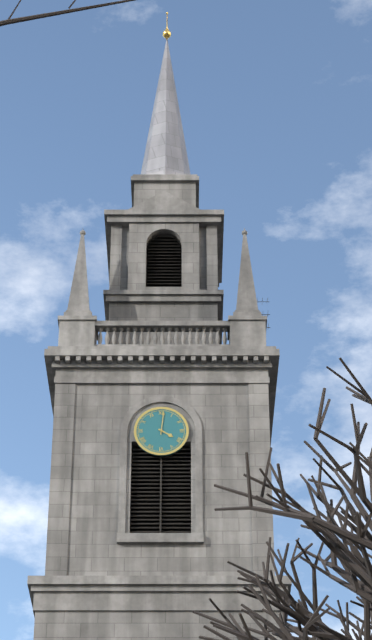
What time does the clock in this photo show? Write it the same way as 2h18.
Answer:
4h01
